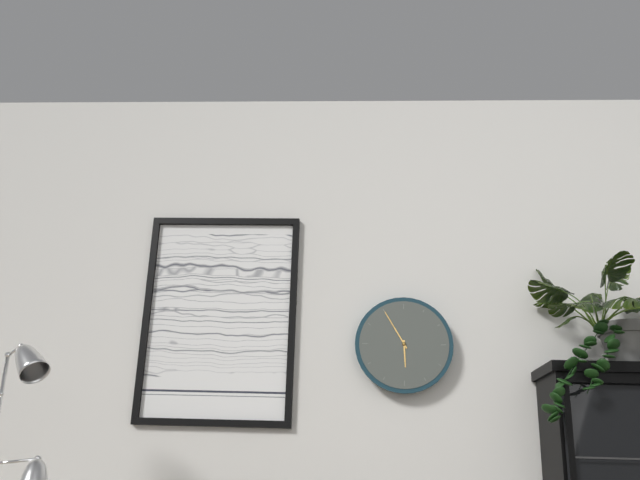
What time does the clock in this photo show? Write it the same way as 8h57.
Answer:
5h55
